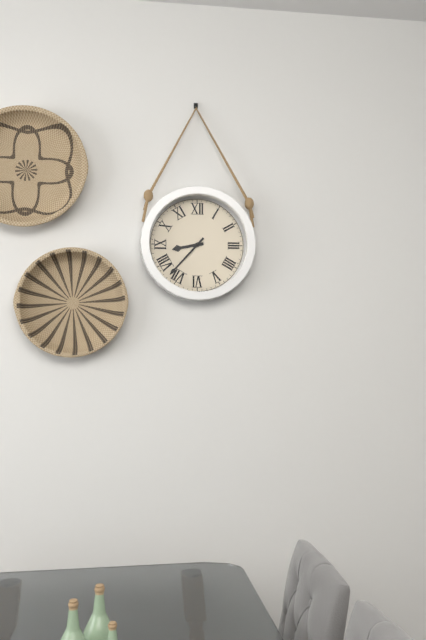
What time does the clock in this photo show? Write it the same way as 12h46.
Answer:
8h37
